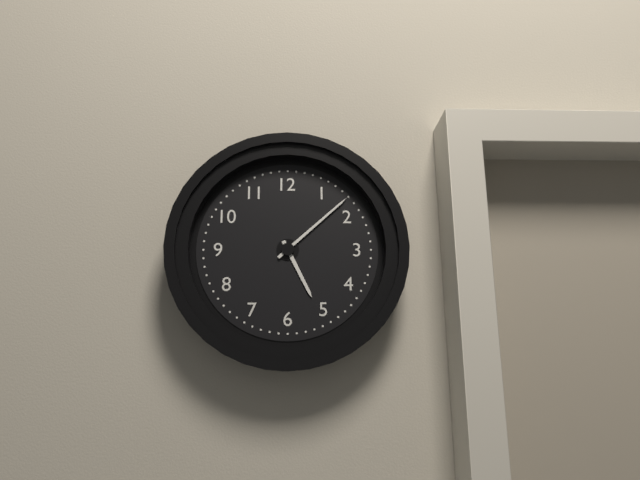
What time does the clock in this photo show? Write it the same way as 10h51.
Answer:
5h08
